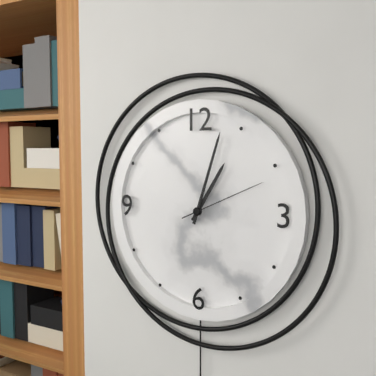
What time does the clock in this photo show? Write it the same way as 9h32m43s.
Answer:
1h03m11s
